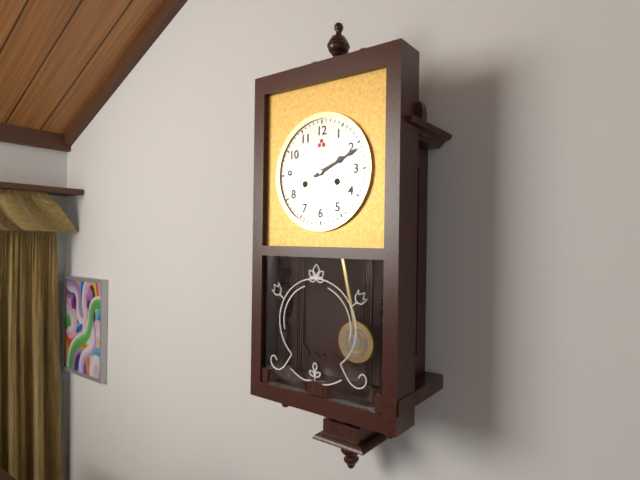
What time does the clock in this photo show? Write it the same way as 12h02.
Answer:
2h11
